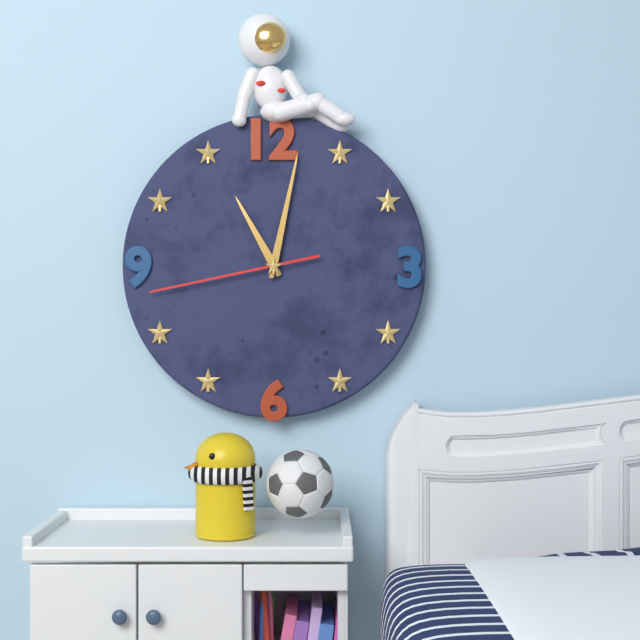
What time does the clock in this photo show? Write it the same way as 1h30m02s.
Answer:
11h02m43s
